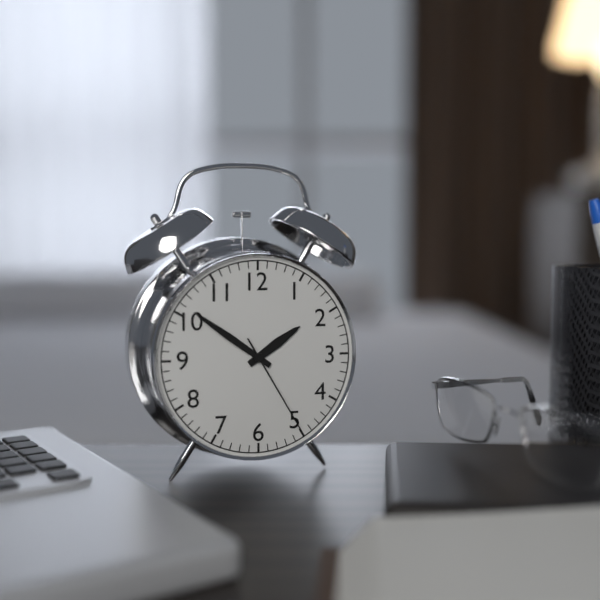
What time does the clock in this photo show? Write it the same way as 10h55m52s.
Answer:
1h51m25s
